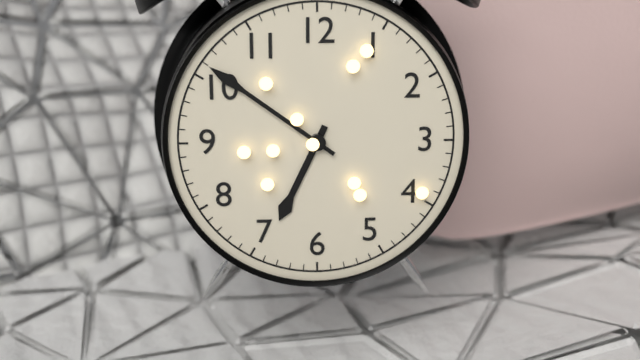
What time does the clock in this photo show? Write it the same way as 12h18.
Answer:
6h51
